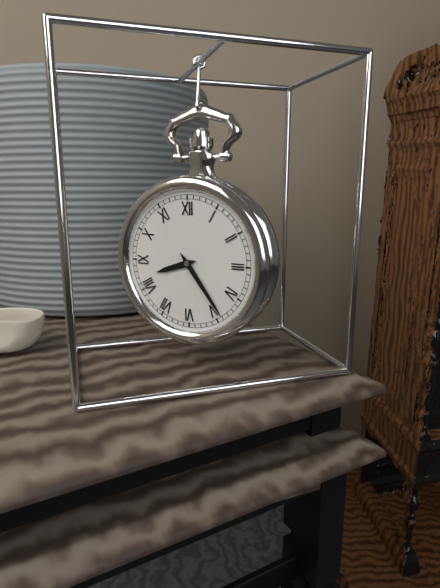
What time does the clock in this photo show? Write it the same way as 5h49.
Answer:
8h24
